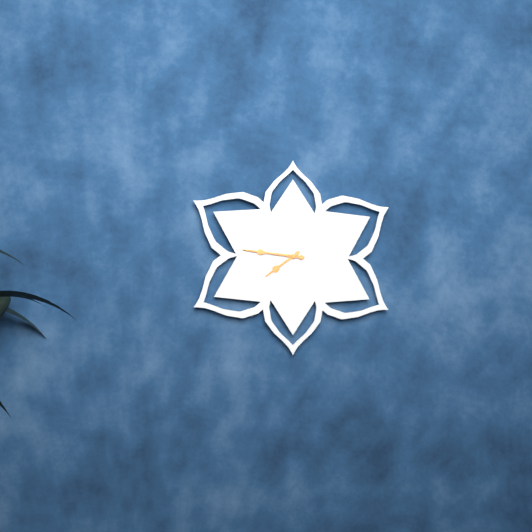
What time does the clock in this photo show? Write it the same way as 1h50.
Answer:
7h46
